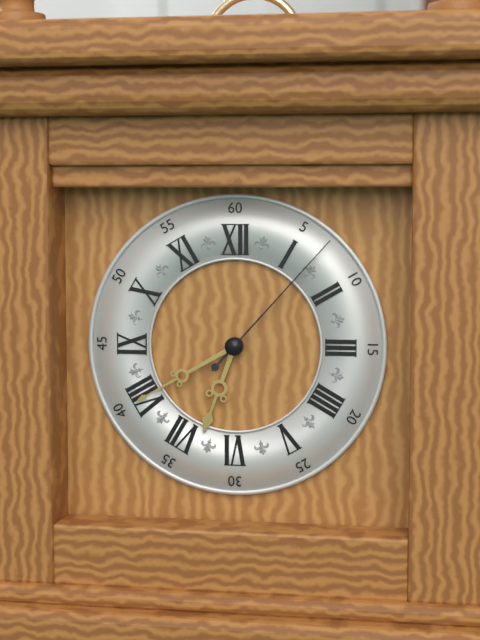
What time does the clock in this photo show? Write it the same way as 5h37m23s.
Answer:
6h40m07s
